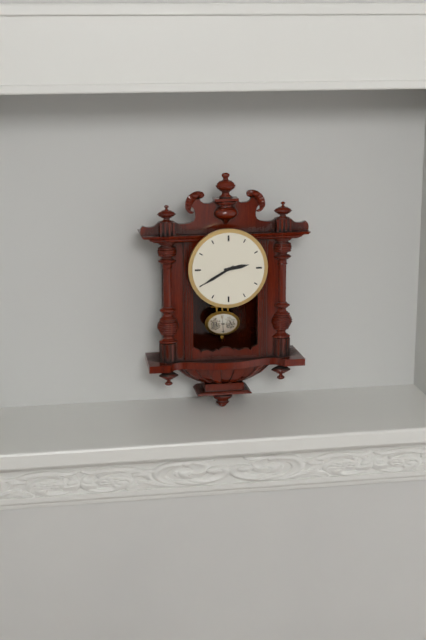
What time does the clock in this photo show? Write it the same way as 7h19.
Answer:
2h40
